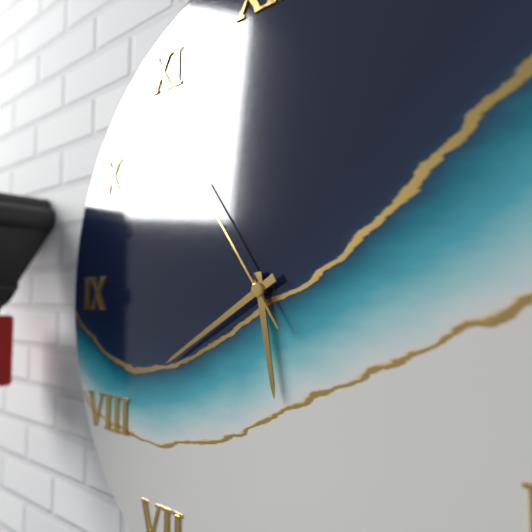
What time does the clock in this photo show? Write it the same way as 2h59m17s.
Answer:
5h40m54s
